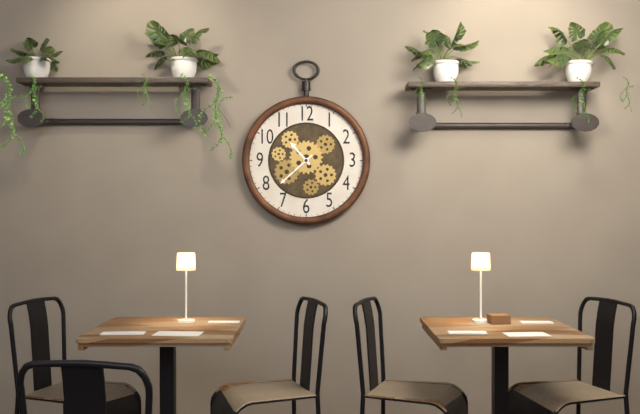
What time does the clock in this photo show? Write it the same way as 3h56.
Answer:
10h38
